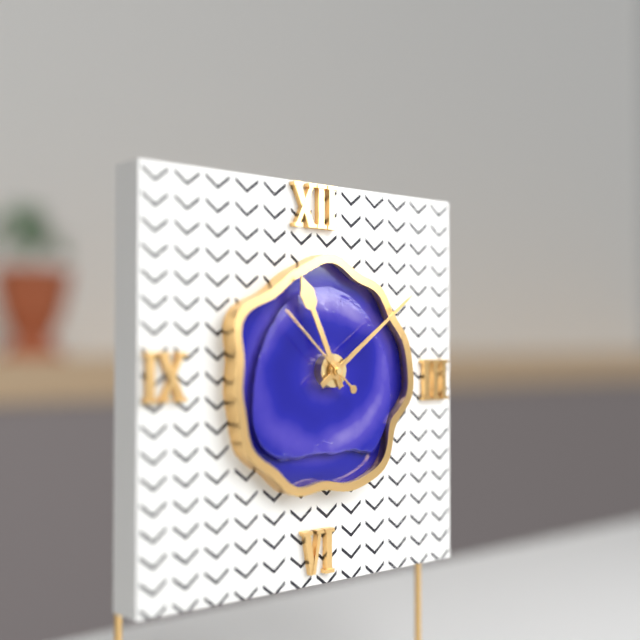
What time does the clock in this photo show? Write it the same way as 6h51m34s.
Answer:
11h09m52s
